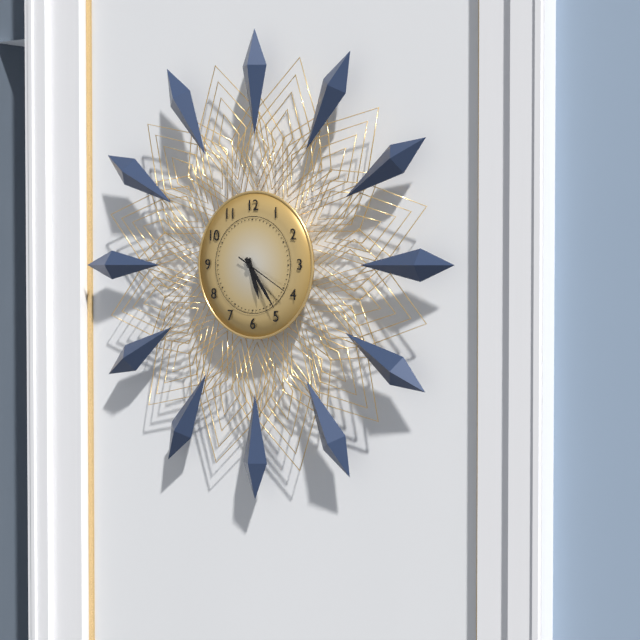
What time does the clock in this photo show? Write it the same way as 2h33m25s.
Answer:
5h24m20s
